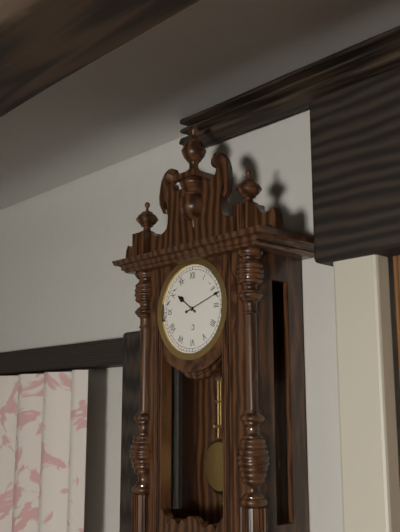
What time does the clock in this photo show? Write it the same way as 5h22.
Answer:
10h12
